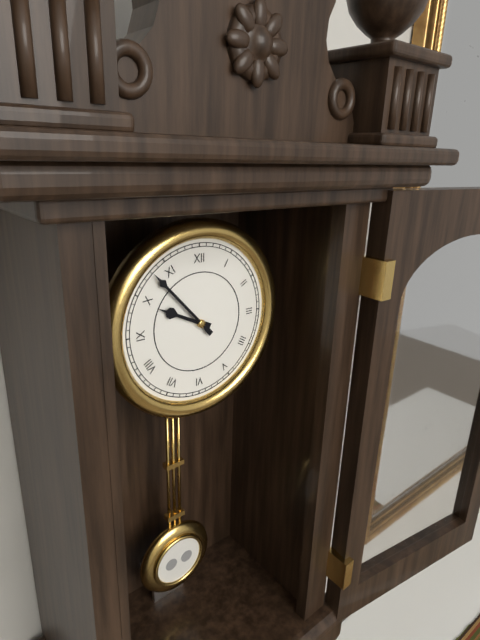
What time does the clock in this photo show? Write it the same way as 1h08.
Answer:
9h53
